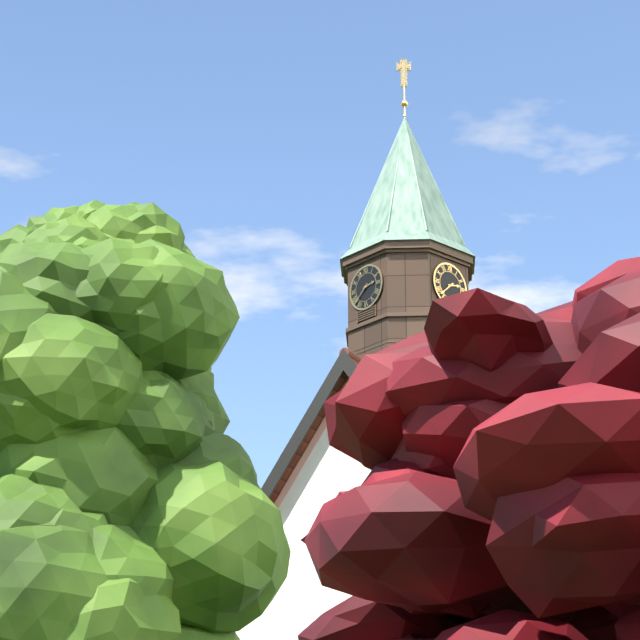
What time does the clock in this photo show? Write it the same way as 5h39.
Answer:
2h38
